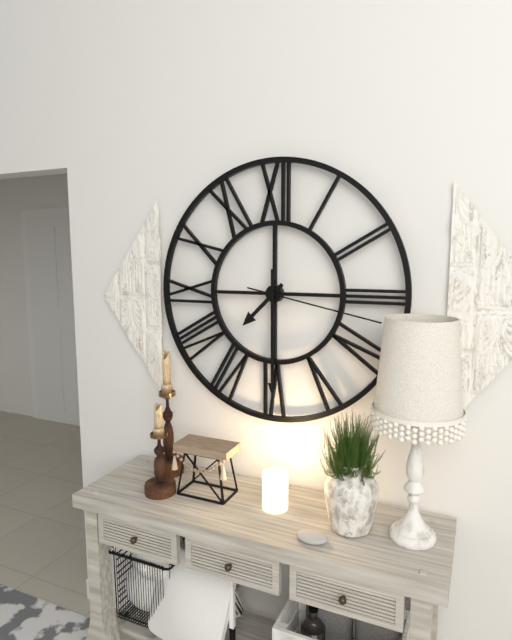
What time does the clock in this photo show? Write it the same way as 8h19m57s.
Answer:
7h30m17s
